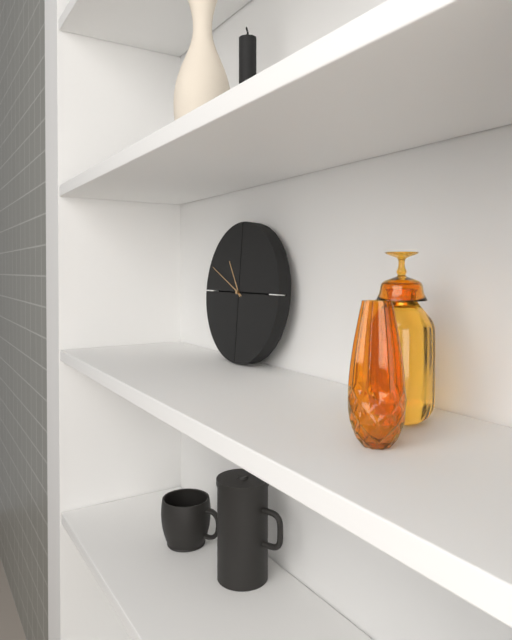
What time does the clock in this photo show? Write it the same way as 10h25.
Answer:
10h49
